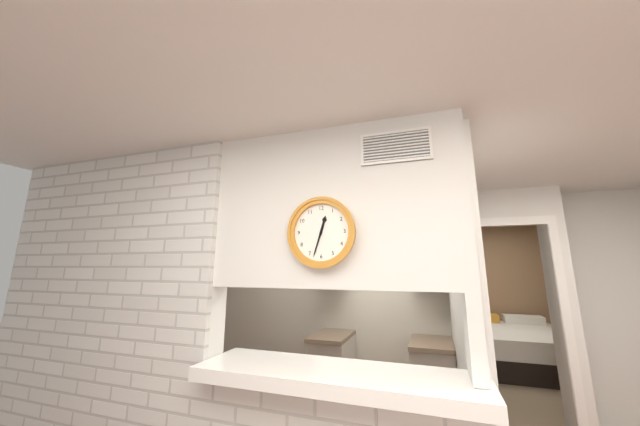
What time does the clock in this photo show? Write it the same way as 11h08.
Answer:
12h33
